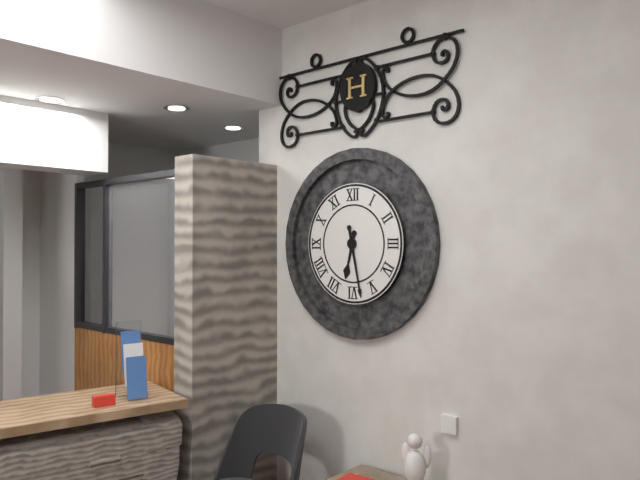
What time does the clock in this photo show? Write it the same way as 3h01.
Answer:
6h28
